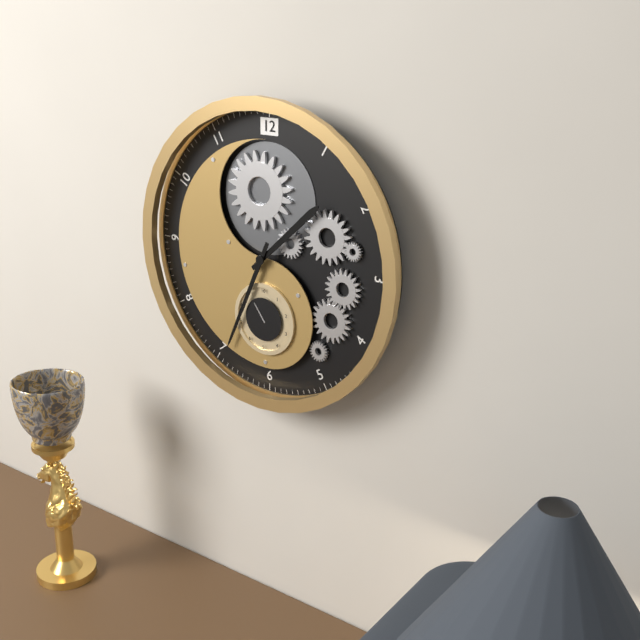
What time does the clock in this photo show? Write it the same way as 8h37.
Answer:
1h34
